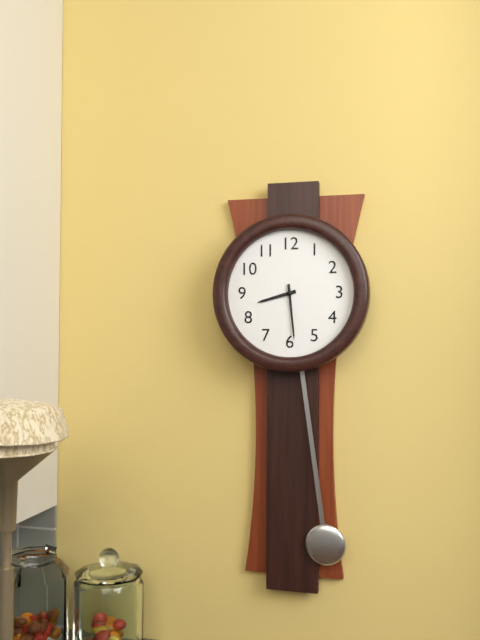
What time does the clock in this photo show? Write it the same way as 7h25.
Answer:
8h29
